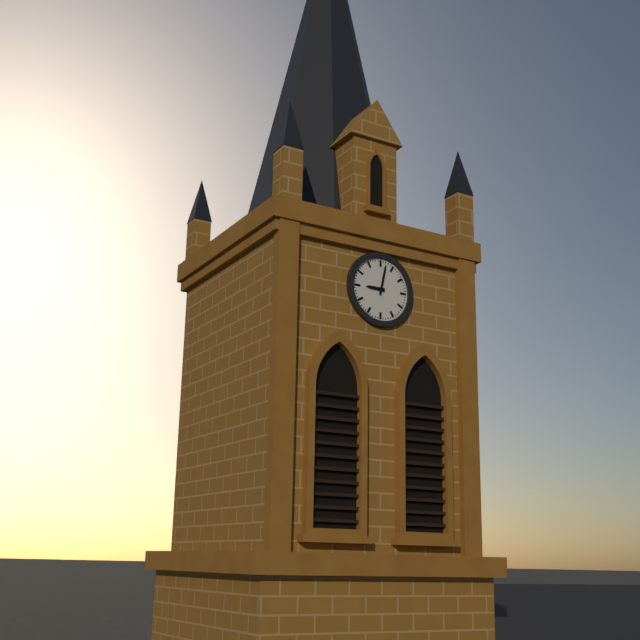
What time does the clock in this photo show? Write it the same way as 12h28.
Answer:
9h02
